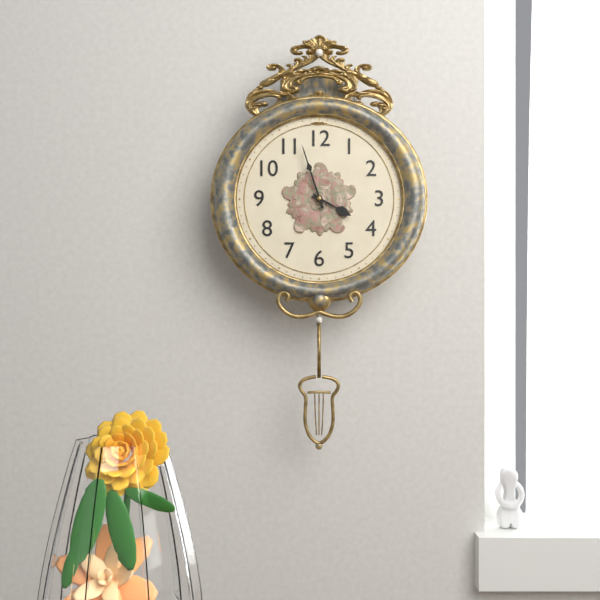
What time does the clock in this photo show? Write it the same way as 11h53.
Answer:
3h57
